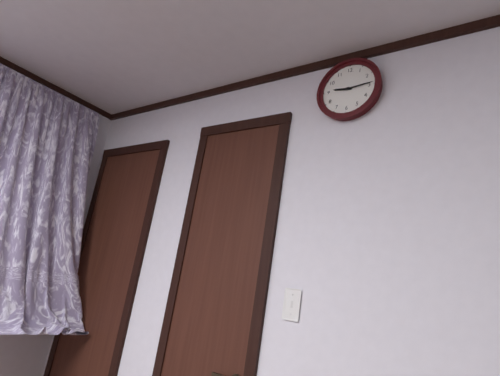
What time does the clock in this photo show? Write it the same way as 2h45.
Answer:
9h14
